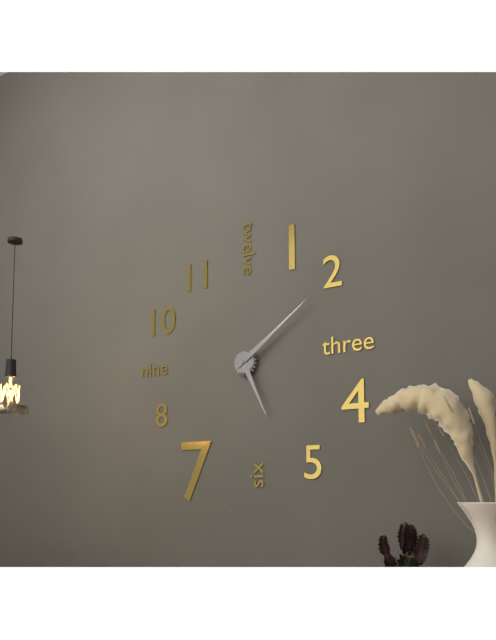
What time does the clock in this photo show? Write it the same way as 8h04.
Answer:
5h09
